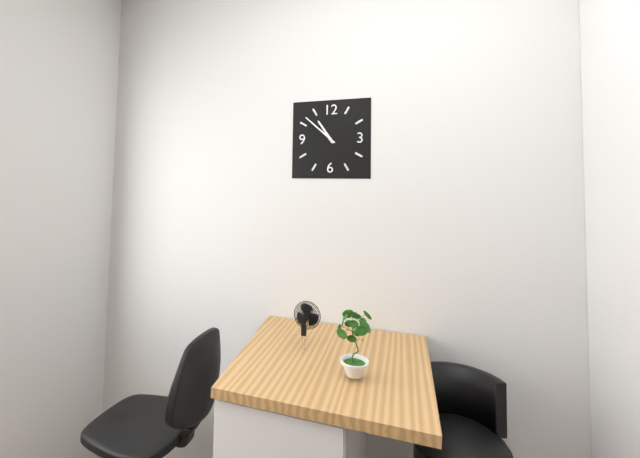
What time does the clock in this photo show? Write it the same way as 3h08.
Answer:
10h52
